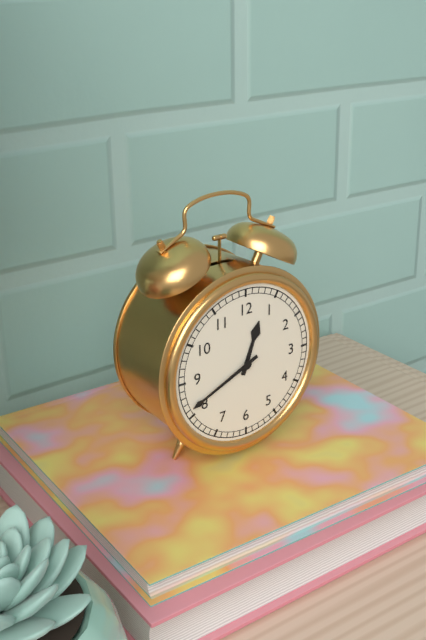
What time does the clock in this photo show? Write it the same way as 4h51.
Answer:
12h41
